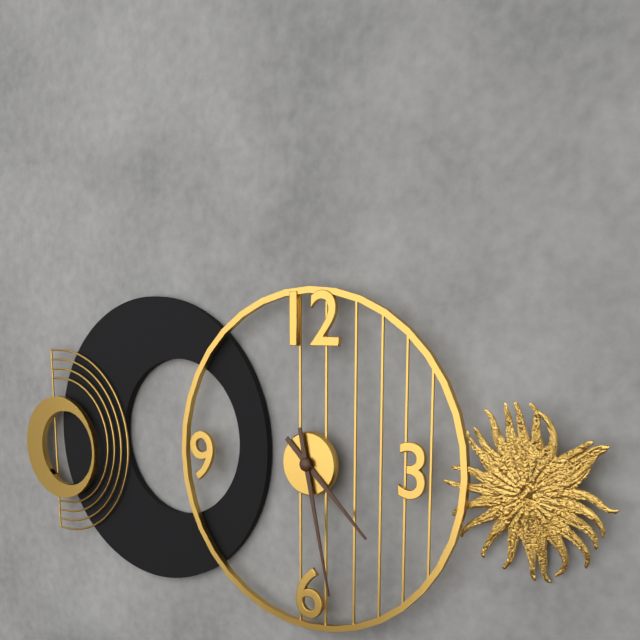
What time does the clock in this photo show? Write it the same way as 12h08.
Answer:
4h28
